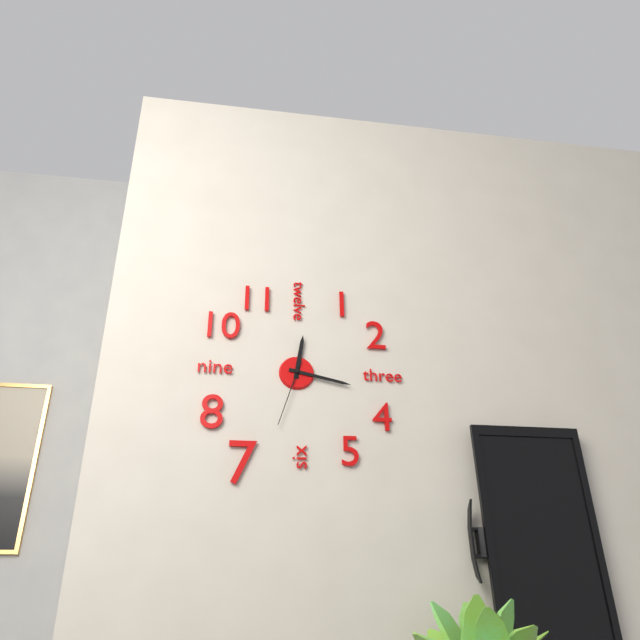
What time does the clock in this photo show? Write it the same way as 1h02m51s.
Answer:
12h17m33s
